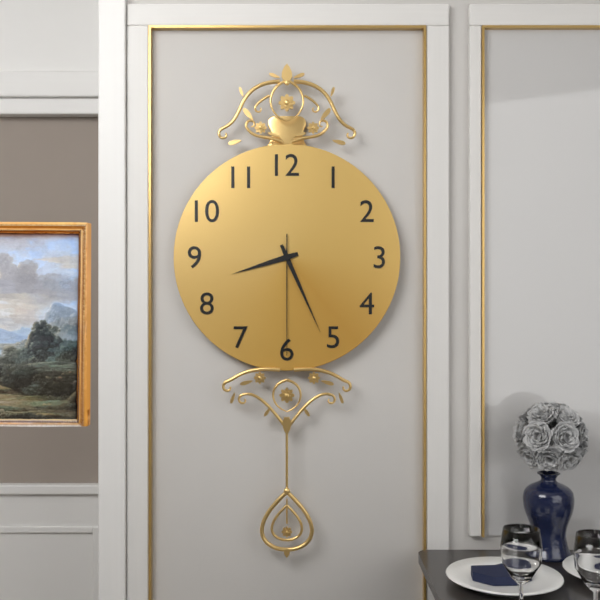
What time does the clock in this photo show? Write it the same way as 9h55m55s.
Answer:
8h26m30s
